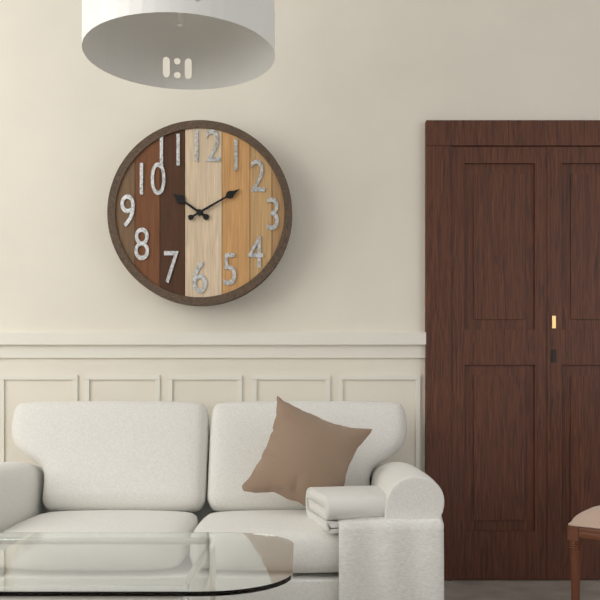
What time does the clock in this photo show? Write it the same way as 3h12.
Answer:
10h10
